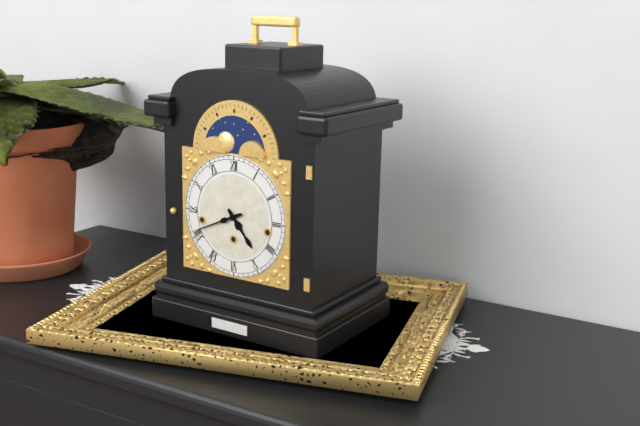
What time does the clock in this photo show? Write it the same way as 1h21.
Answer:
4h41
